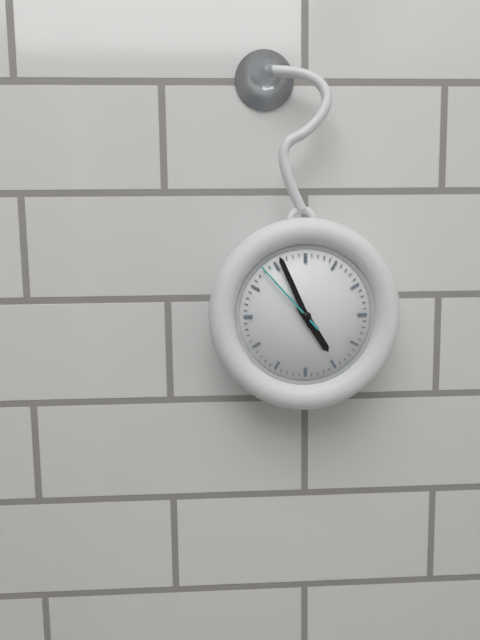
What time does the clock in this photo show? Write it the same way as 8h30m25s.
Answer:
4h56m53s
